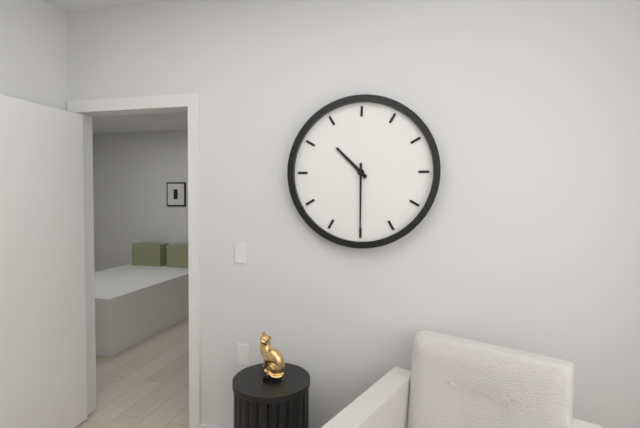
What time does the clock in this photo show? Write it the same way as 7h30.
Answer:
10h30
